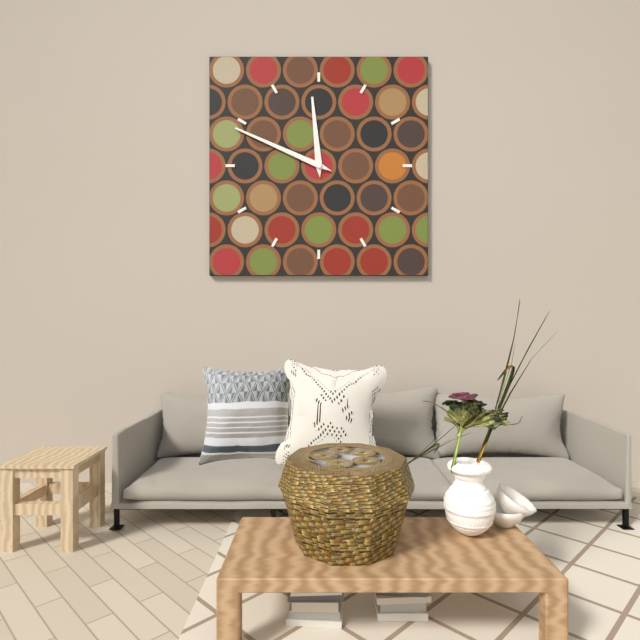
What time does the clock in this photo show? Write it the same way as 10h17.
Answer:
11h49
